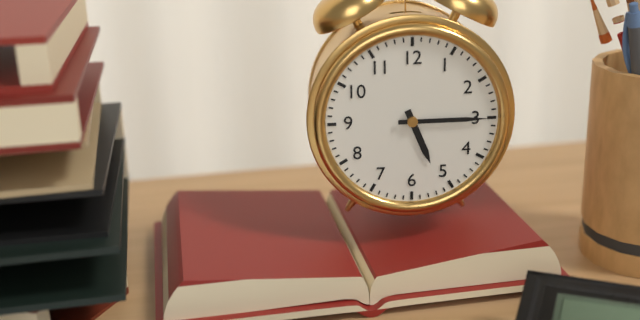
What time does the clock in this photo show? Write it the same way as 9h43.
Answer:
5h15
